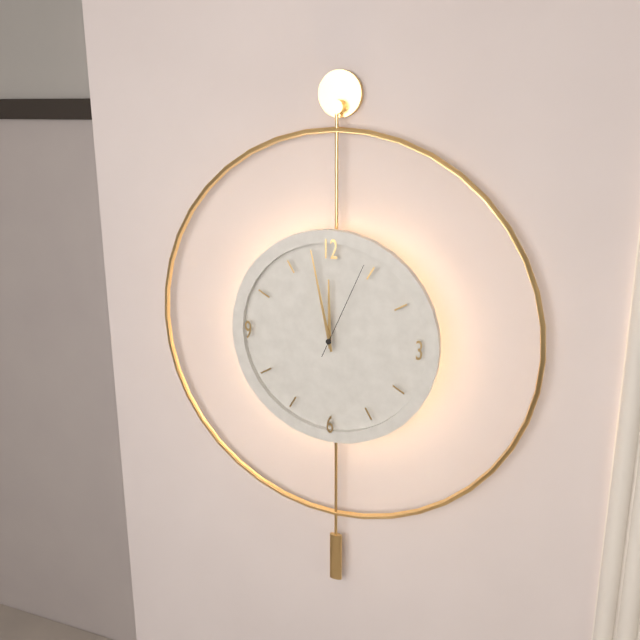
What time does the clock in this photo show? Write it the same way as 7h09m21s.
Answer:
11h58m04s
